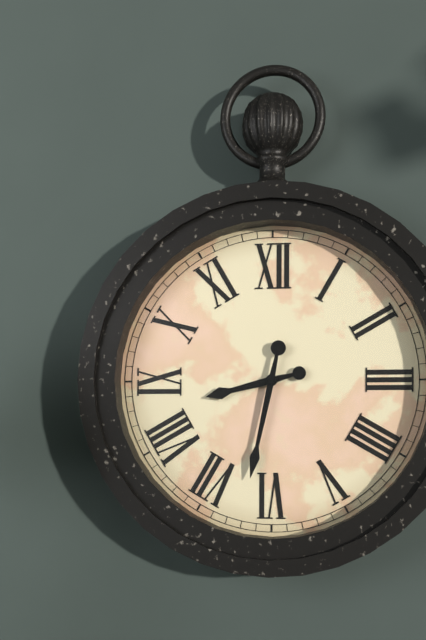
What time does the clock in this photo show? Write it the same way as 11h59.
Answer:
8h32
